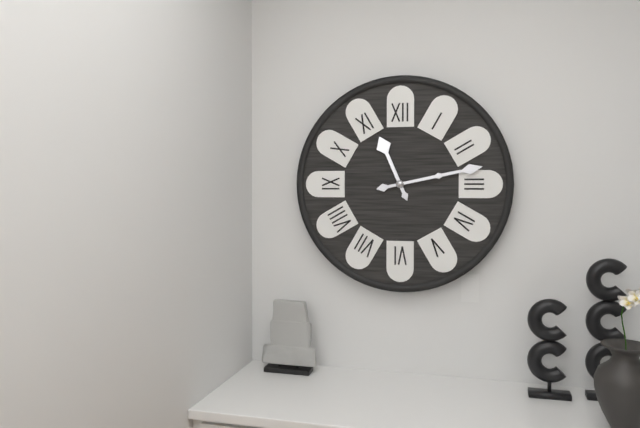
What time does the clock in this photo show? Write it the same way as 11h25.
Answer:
11h13
